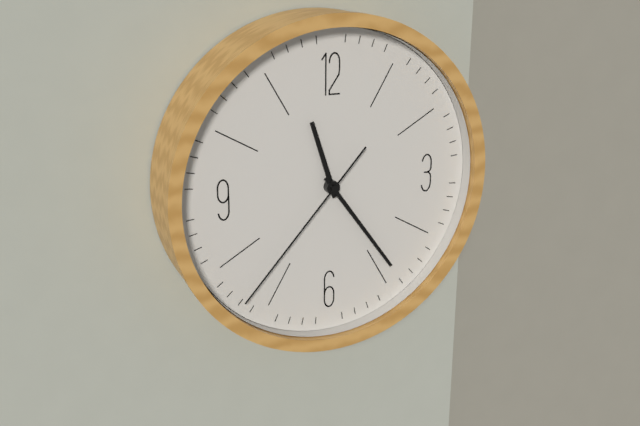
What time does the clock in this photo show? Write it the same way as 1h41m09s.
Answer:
11h24m37s
